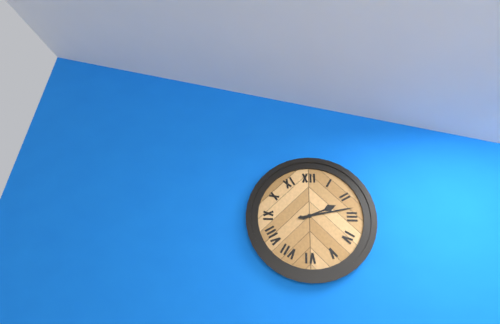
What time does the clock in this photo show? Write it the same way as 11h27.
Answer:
2h13
